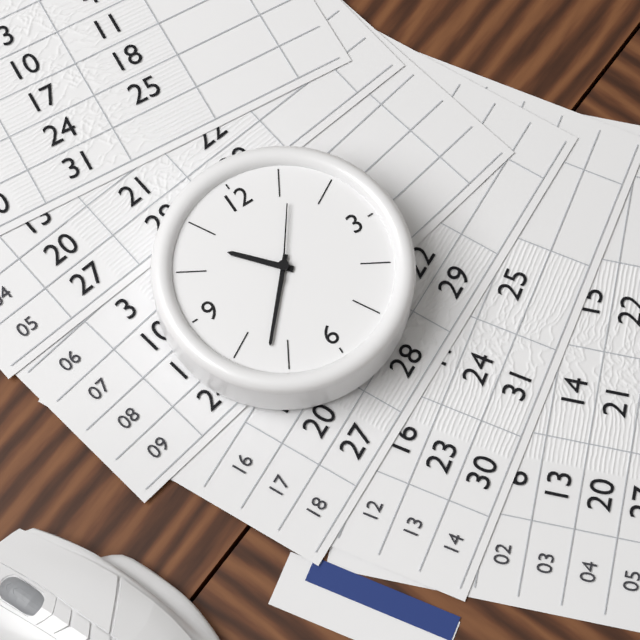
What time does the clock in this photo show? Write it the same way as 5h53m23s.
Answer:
10h37m06s
